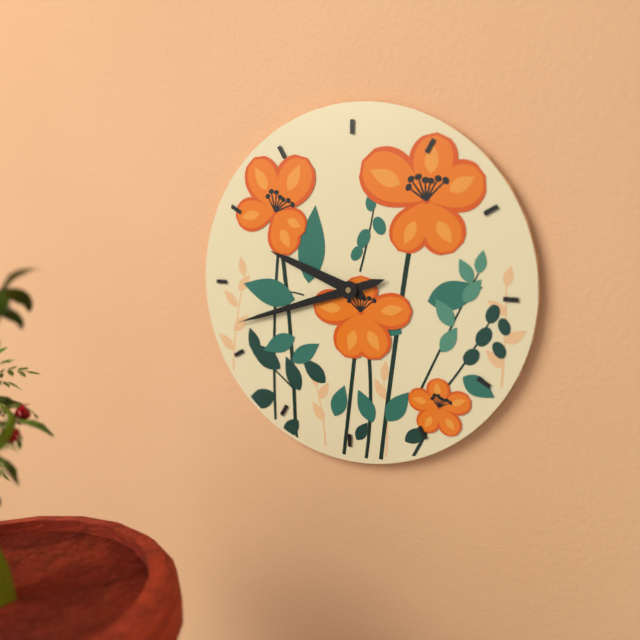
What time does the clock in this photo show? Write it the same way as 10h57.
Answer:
9h42
